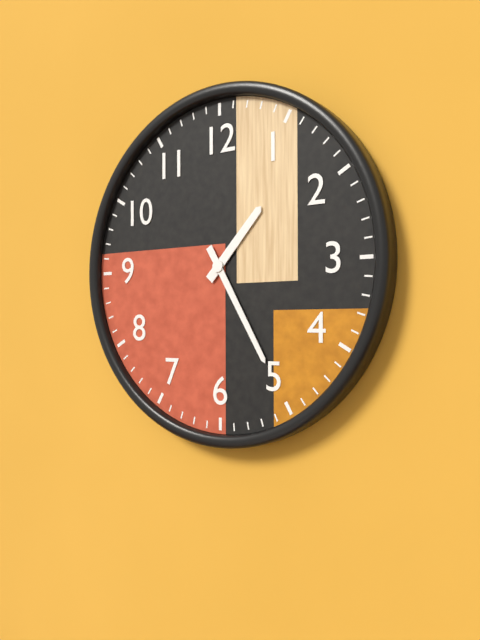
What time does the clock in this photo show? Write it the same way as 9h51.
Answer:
1h25
